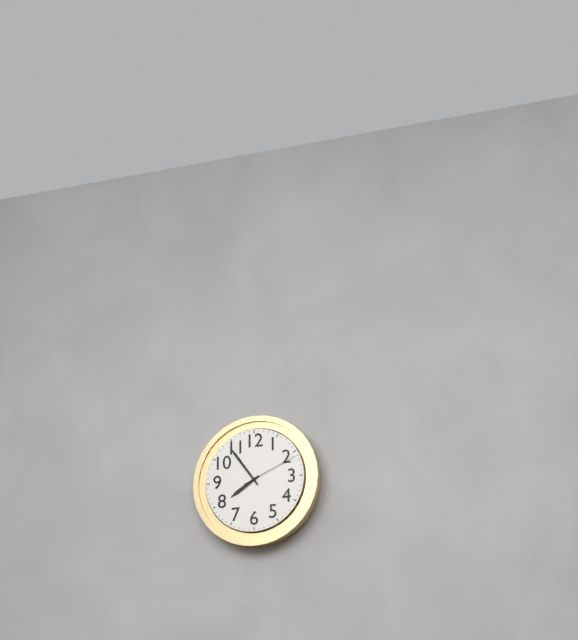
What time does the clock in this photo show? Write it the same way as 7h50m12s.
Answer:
7h54m11s
